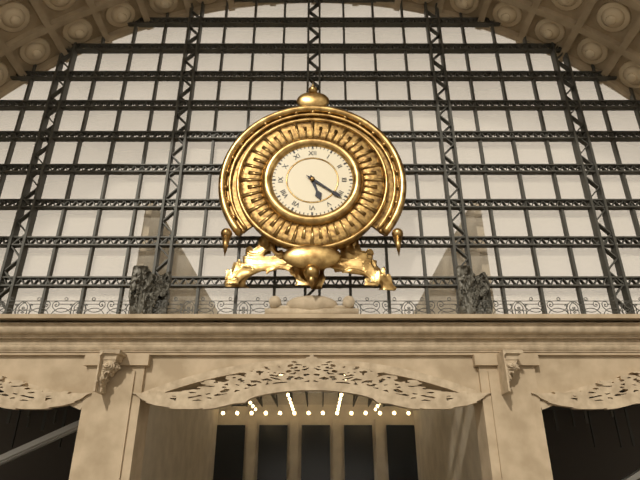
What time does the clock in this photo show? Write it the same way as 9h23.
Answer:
5h21
